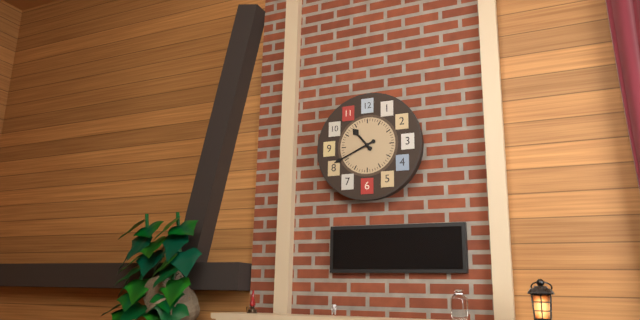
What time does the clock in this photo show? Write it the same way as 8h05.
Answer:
10h41
